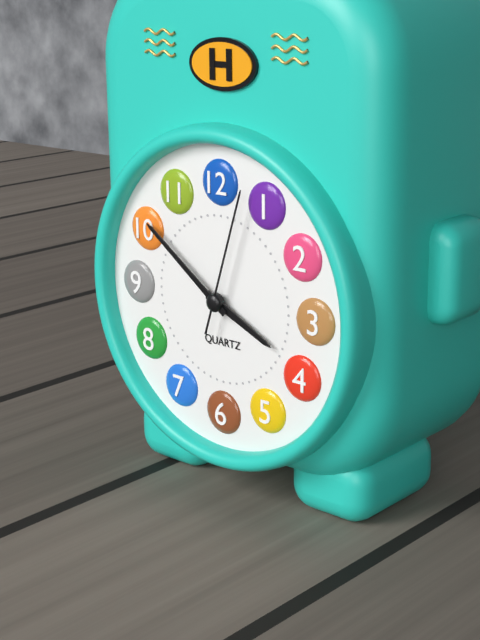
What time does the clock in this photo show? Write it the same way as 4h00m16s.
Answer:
3h51m03s
